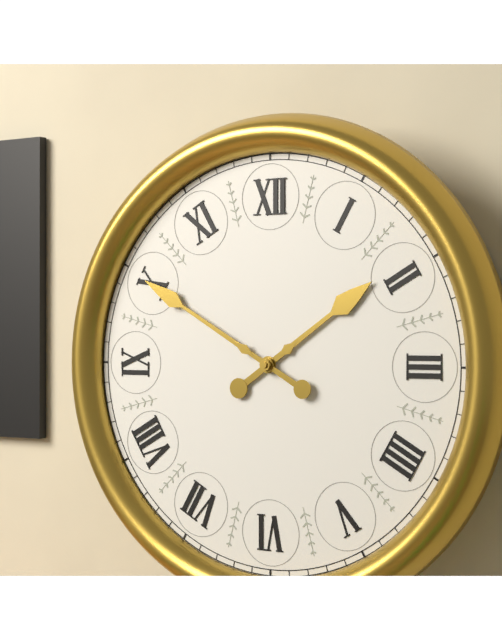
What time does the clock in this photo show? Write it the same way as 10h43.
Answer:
1h50
